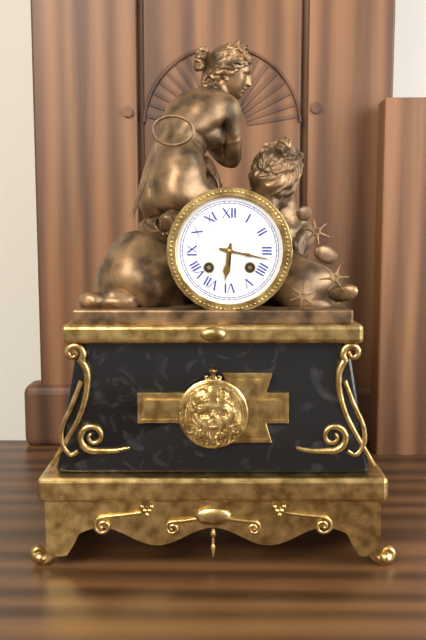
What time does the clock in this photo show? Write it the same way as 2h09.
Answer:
6h17
